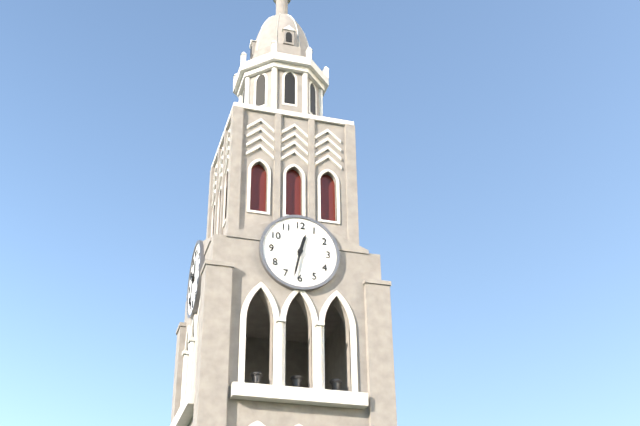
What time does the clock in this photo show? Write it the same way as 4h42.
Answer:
12h32
